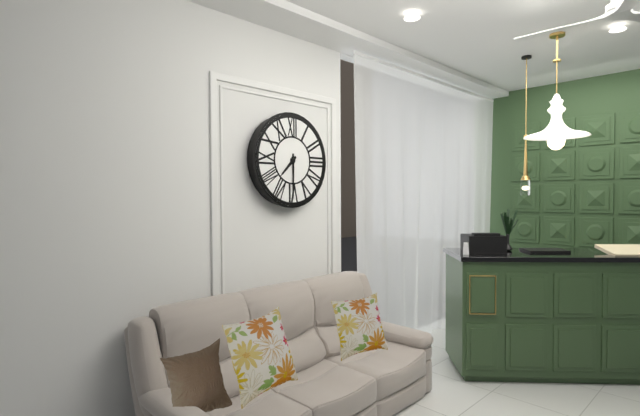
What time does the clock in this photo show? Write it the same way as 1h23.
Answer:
7h30
